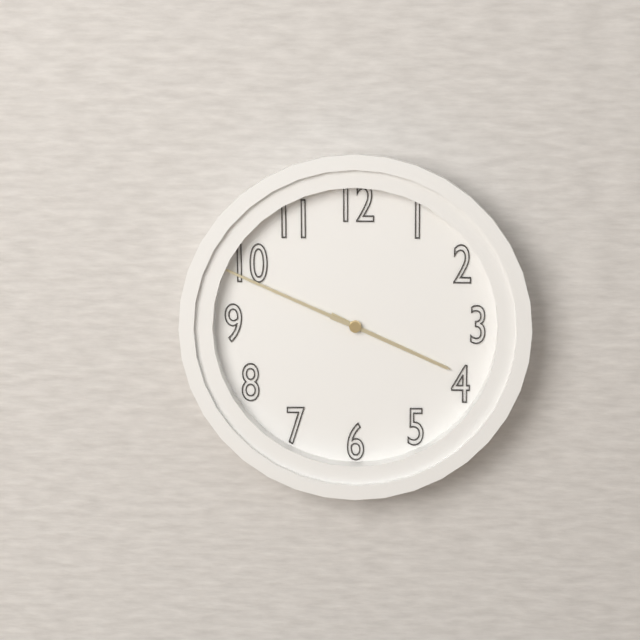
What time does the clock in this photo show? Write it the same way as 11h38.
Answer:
3h49
